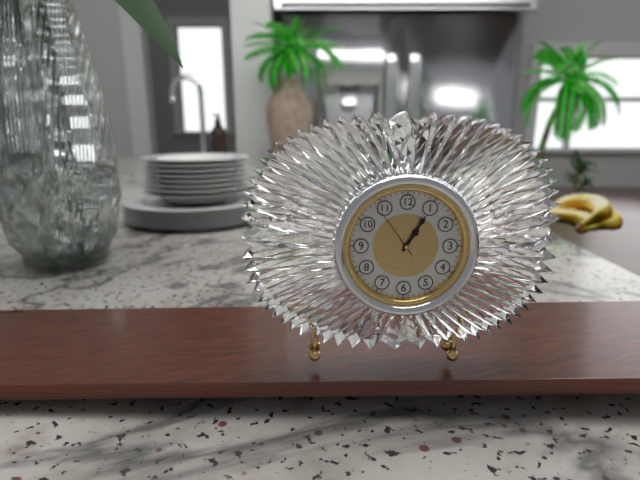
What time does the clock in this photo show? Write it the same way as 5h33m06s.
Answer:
1h05m54s
